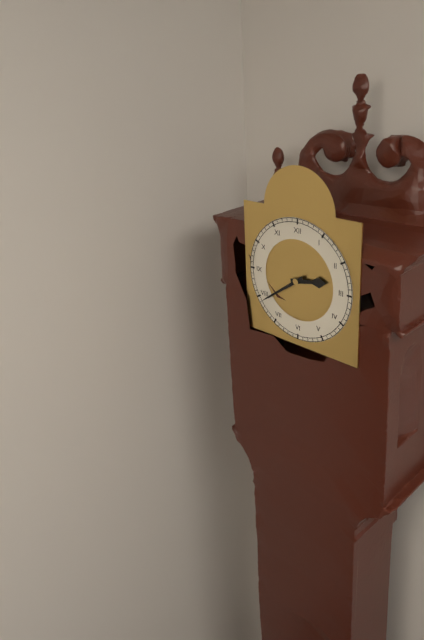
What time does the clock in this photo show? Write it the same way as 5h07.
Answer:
2h39
